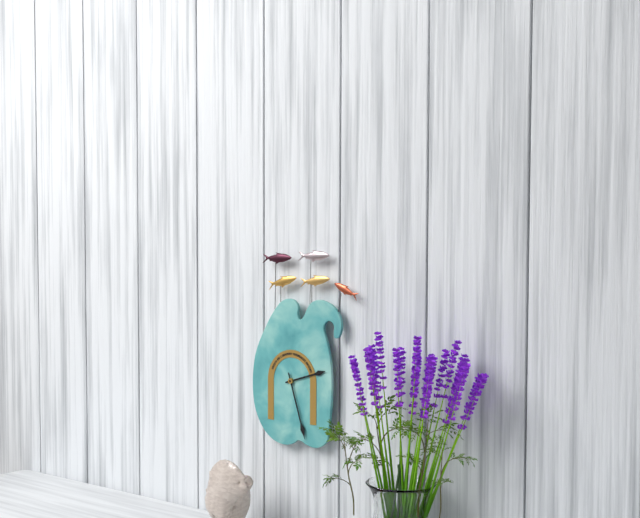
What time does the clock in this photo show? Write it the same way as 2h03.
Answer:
2h27
